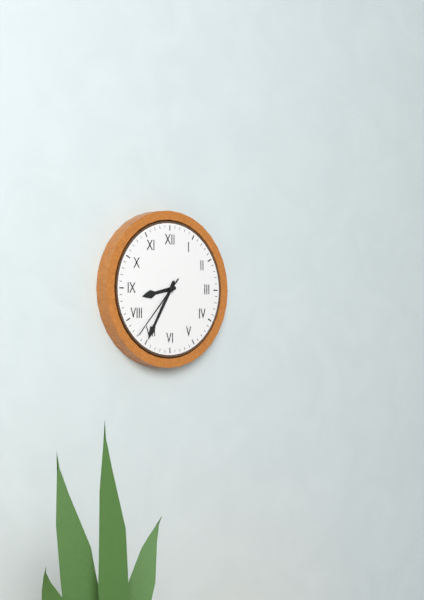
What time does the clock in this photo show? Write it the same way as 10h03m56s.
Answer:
8h35m37s
